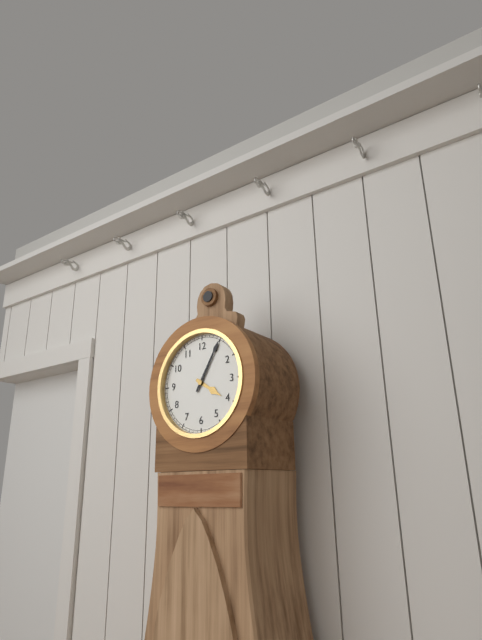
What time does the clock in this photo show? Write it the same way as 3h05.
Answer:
4h05
